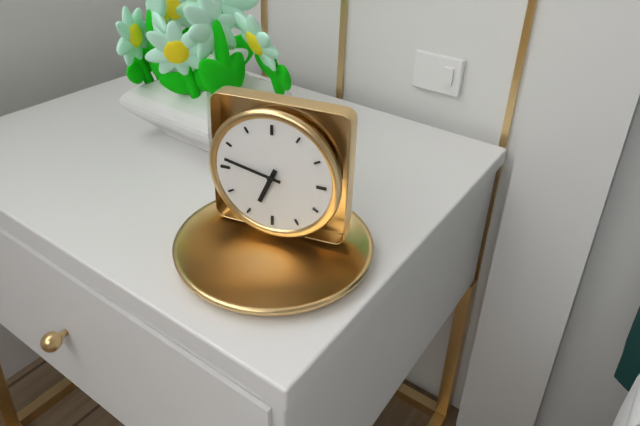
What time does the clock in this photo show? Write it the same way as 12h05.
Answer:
6h47
